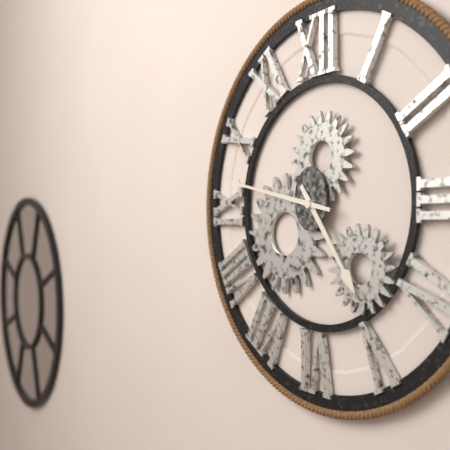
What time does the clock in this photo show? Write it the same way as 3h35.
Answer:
4h47
